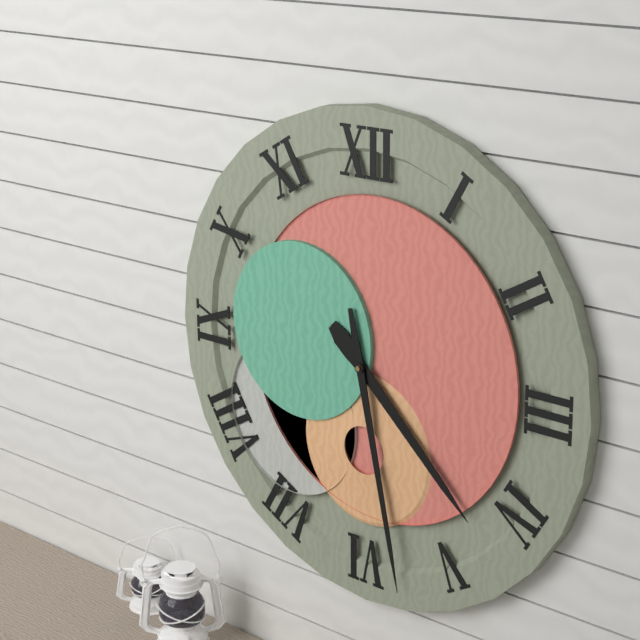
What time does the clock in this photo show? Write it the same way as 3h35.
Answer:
4h28
